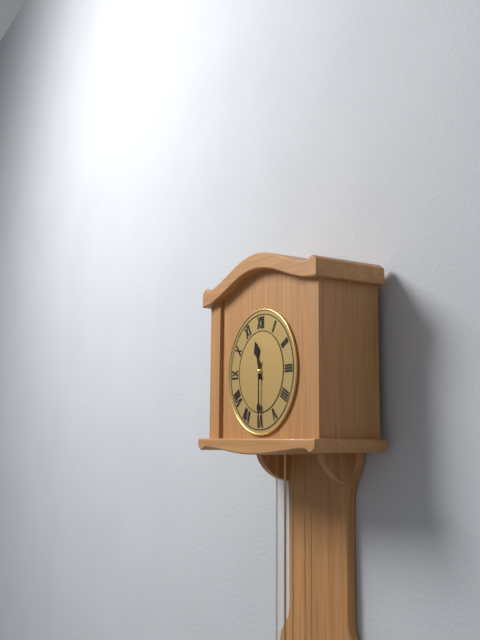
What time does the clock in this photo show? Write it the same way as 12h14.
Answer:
11h30
